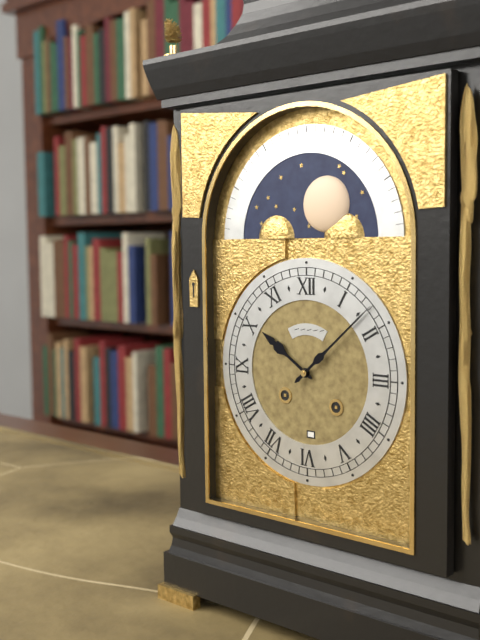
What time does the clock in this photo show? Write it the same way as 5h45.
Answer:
10h08
